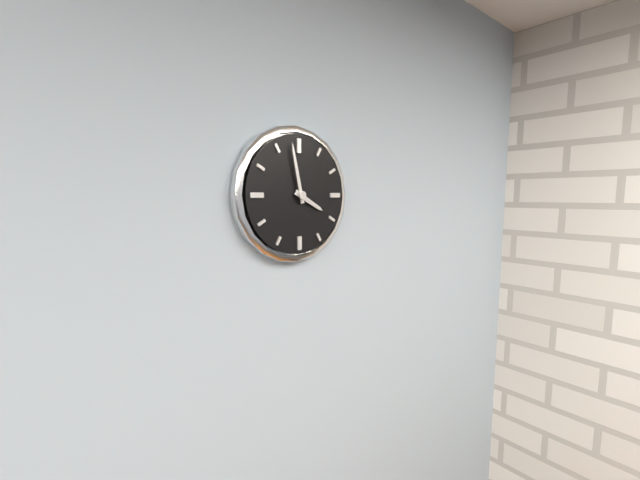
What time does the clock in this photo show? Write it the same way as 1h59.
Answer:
3h58
